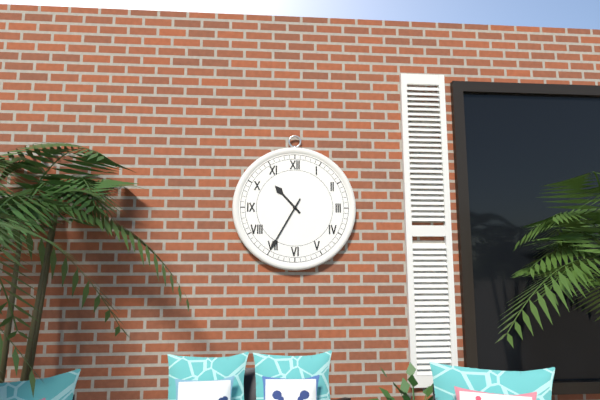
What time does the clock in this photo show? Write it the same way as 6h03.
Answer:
10h35
